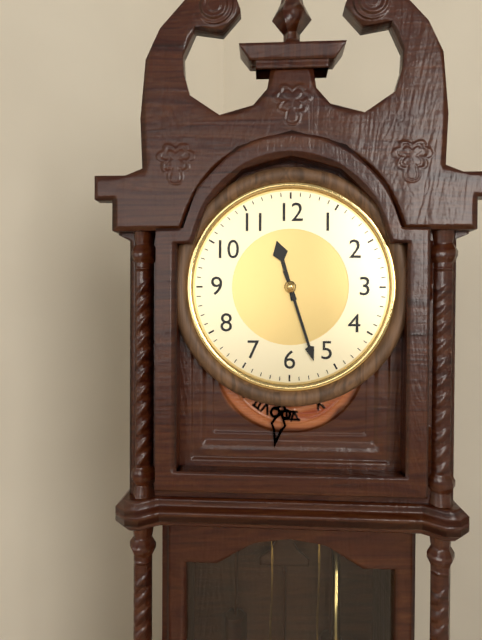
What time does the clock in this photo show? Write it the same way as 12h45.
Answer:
11h27
